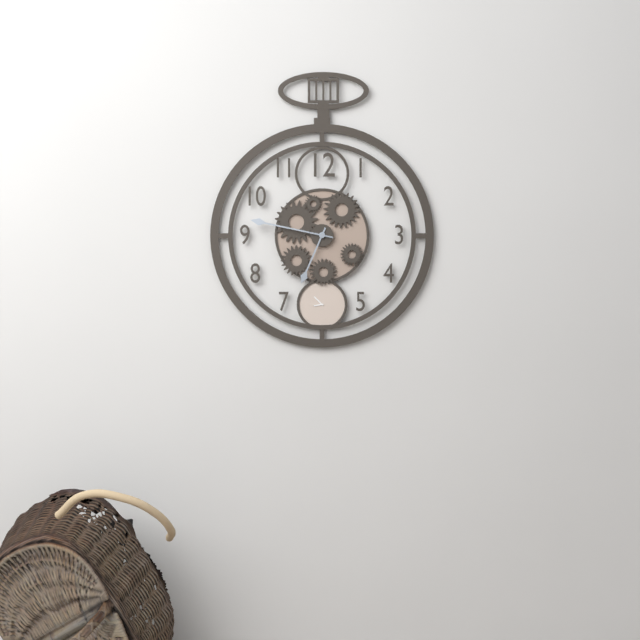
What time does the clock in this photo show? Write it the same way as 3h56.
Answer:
6h47
